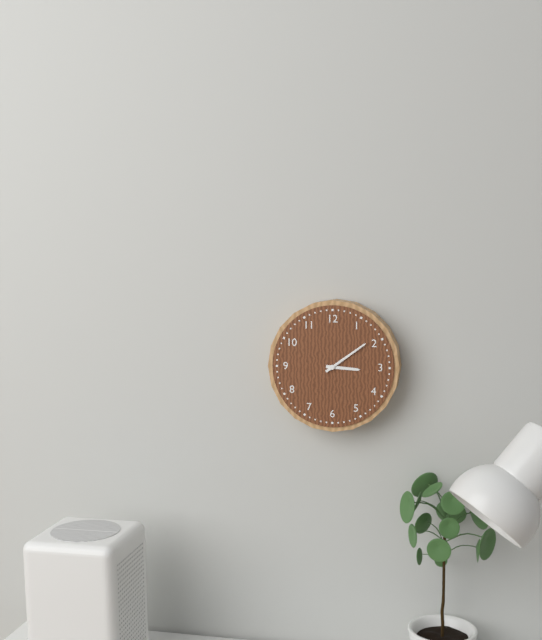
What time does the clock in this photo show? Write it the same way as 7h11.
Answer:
3h09
